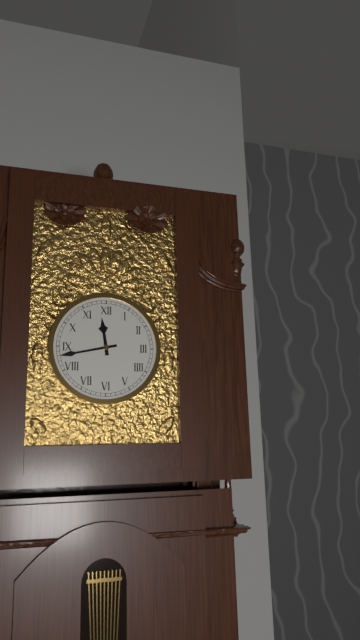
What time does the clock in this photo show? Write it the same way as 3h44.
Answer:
11h43
